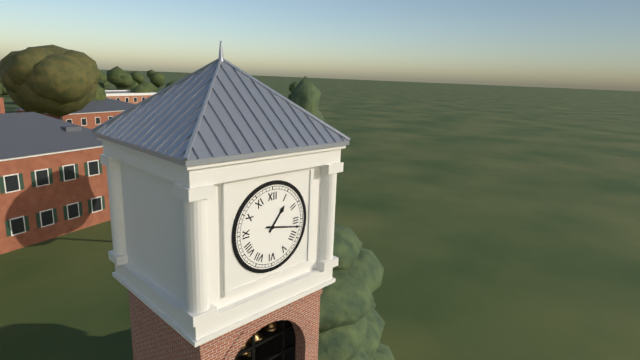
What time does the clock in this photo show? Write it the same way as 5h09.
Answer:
1h17
